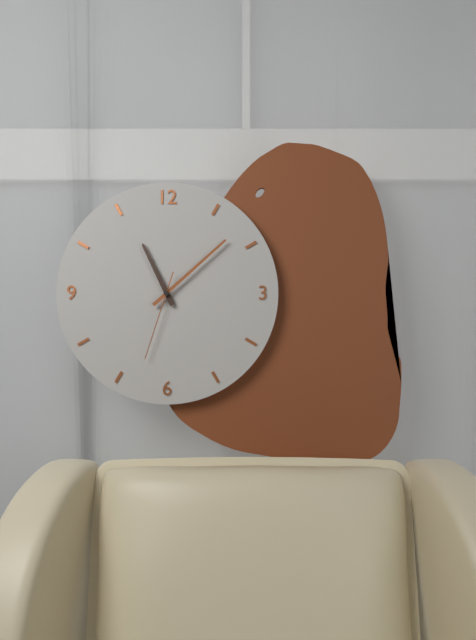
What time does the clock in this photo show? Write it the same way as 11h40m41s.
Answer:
11h08m33s
